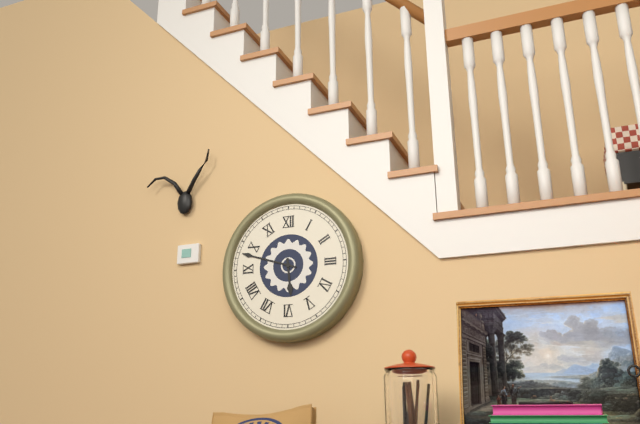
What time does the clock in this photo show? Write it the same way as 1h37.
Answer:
5h48
